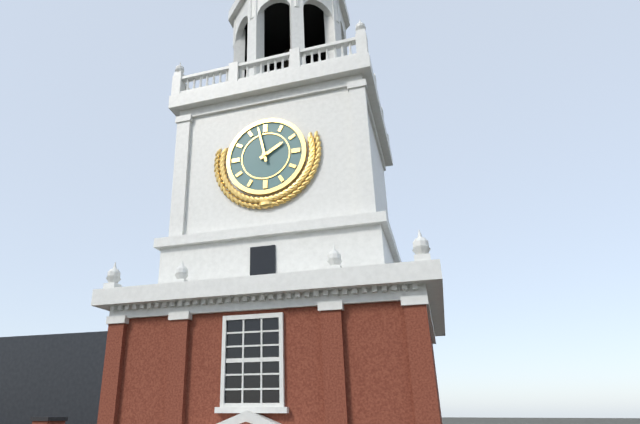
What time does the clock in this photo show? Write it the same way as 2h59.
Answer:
1h58
